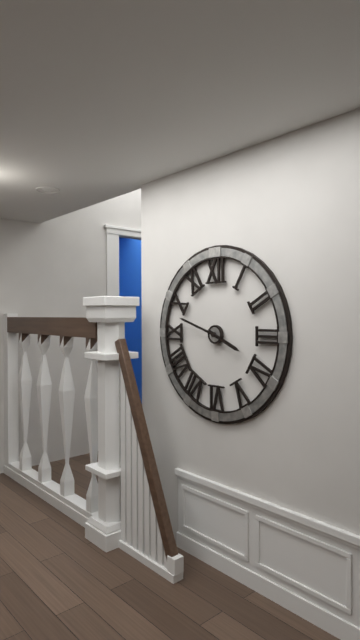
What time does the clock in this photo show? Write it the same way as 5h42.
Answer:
3h48
